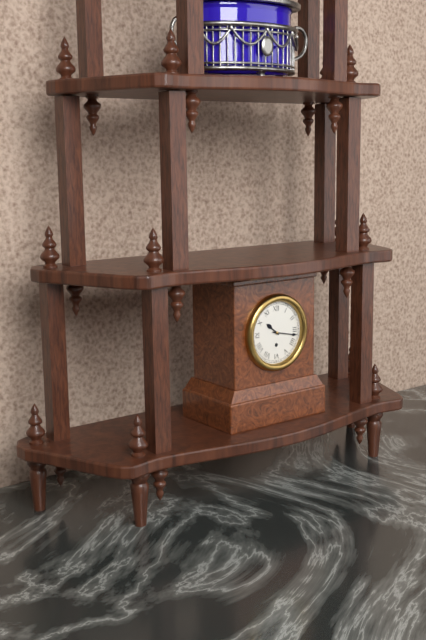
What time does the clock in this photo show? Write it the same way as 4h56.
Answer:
10h17
